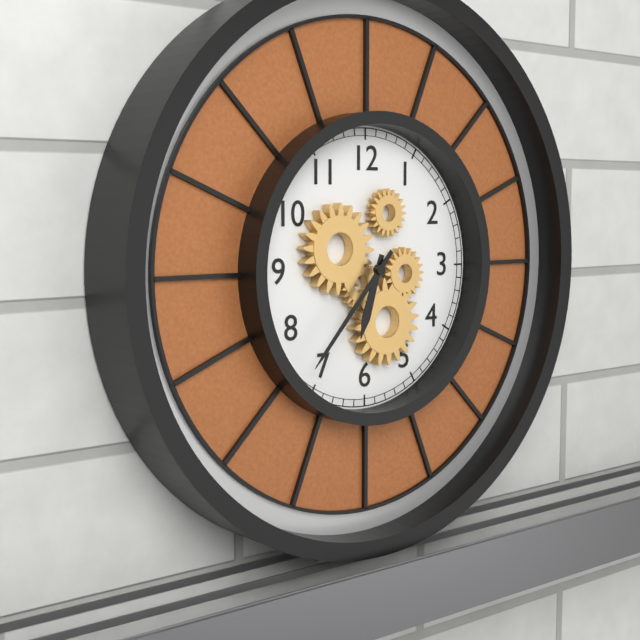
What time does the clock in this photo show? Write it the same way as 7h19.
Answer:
6h37
